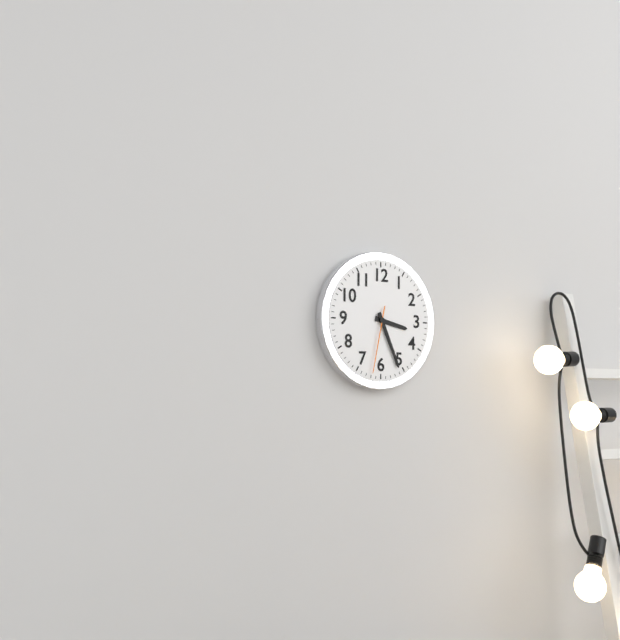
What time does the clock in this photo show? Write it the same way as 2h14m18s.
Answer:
3h26m32s
